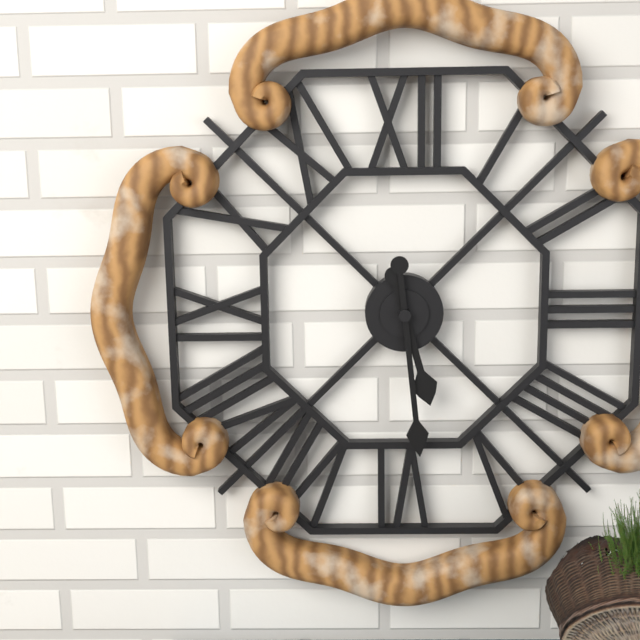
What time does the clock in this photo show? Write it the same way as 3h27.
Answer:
5h29
